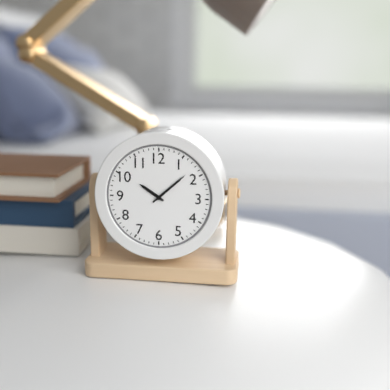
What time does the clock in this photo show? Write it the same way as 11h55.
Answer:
10h08
